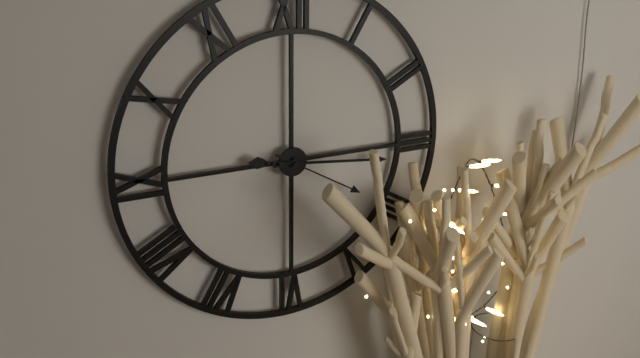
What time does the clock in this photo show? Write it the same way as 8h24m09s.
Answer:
9h16m20s
